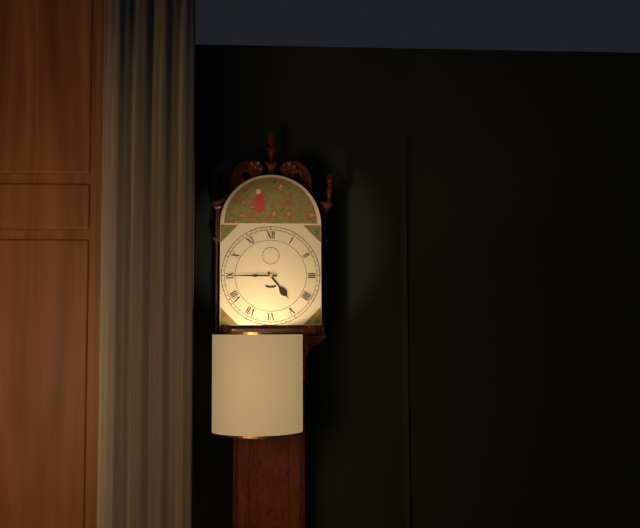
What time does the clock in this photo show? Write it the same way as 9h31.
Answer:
4h45
